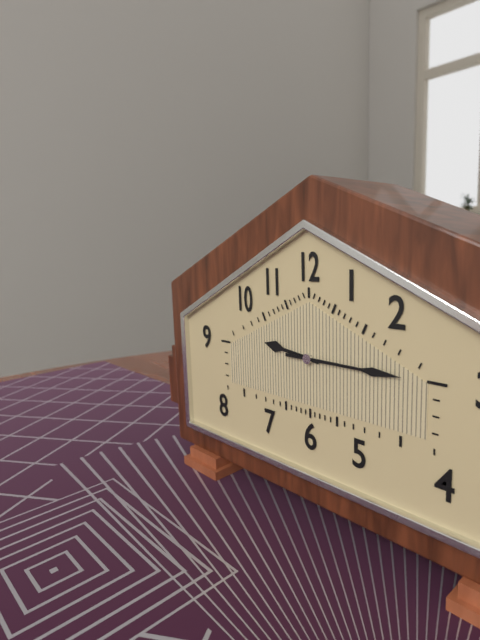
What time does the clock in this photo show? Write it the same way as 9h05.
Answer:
9h15
